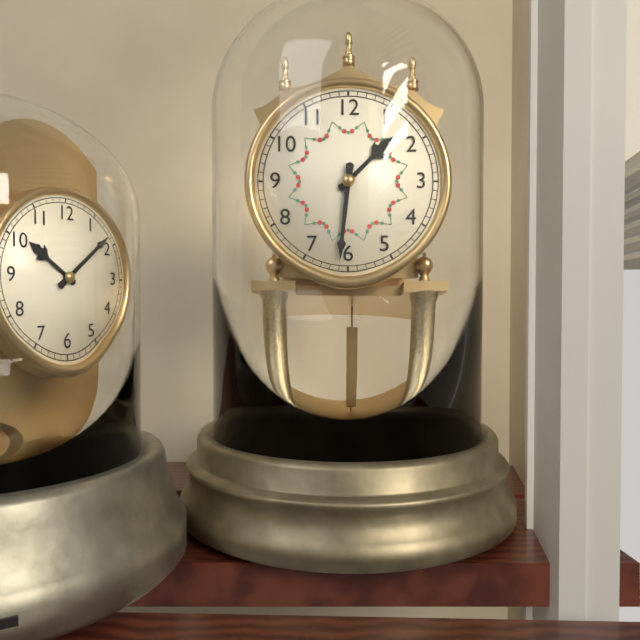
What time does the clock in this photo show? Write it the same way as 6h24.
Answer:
1h31
